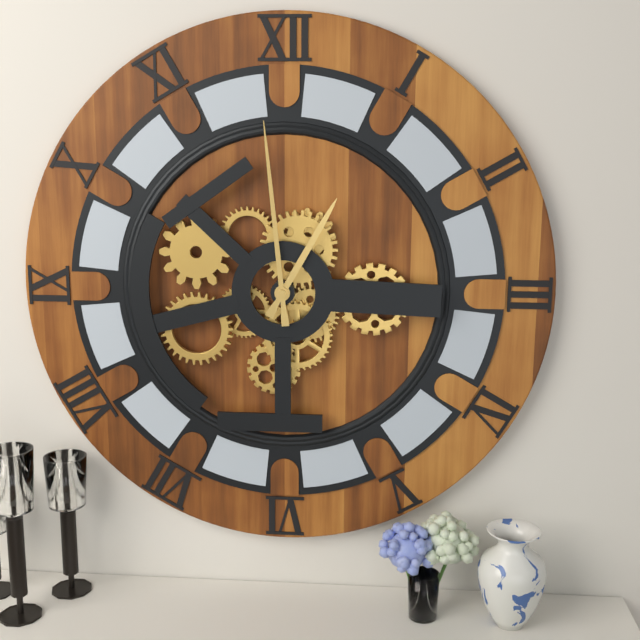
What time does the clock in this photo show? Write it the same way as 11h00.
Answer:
12h59
